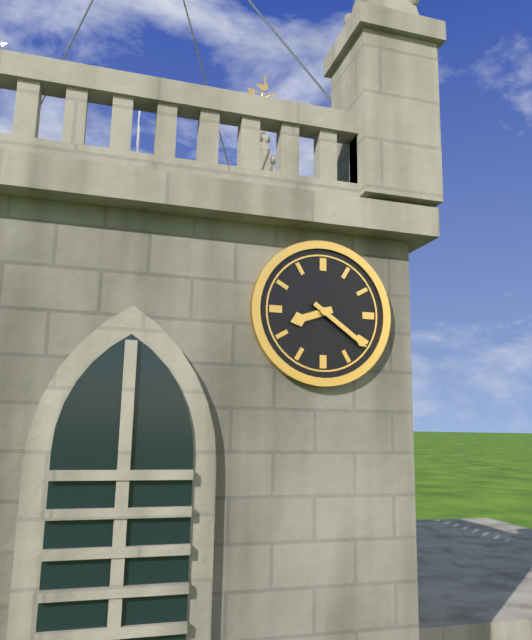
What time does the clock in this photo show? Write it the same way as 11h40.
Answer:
8h21
